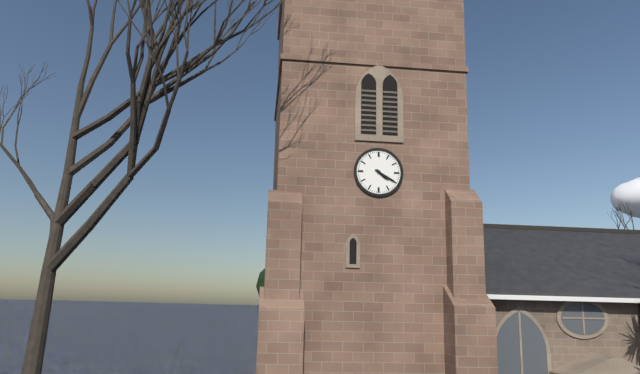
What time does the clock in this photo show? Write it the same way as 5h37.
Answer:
4h20
